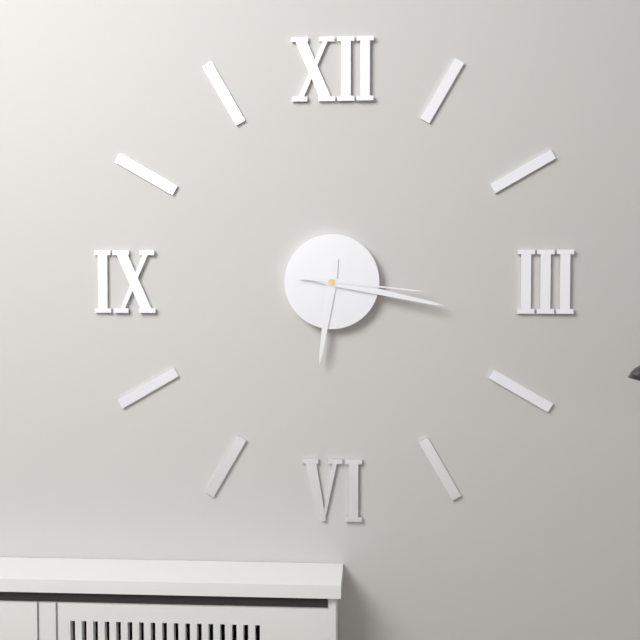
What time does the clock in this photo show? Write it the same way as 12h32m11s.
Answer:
6h17m16s
